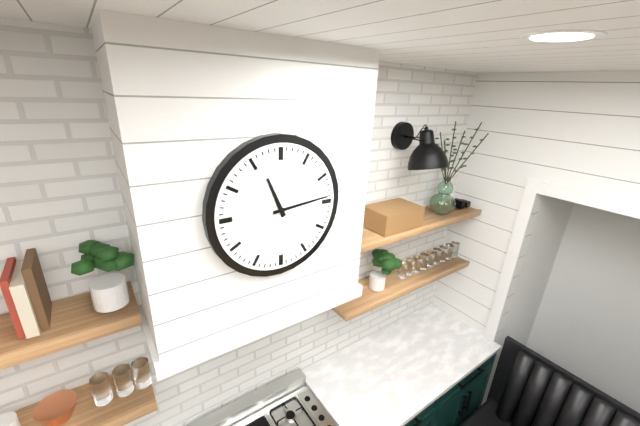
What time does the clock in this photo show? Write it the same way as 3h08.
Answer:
11h14
